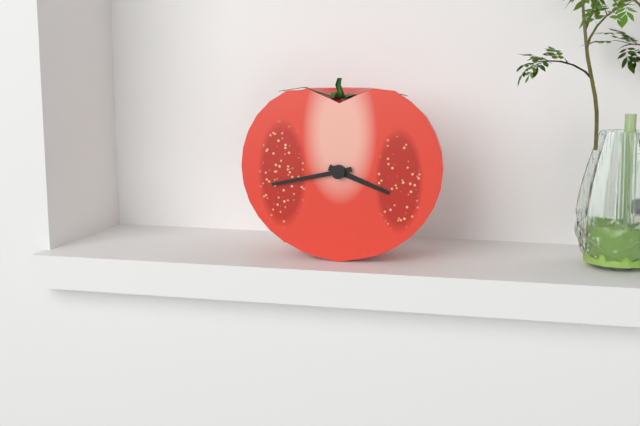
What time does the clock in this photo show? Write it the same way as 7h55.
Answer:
3h43
